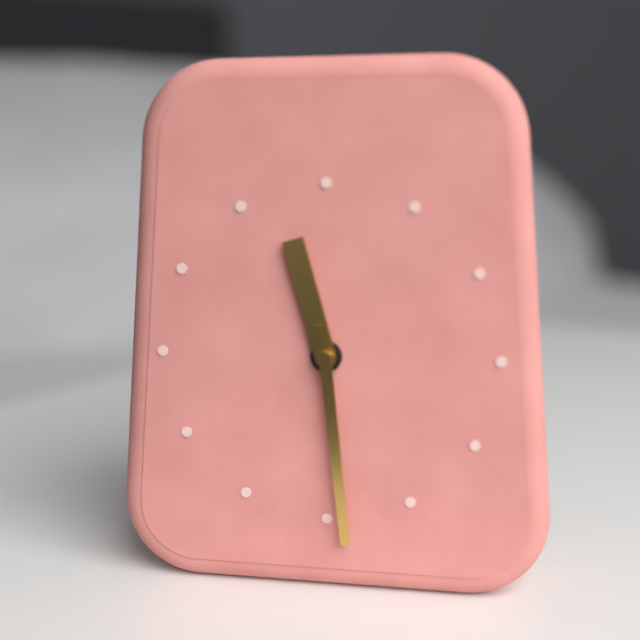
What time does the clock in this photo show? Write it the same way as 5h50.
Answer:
11h29
